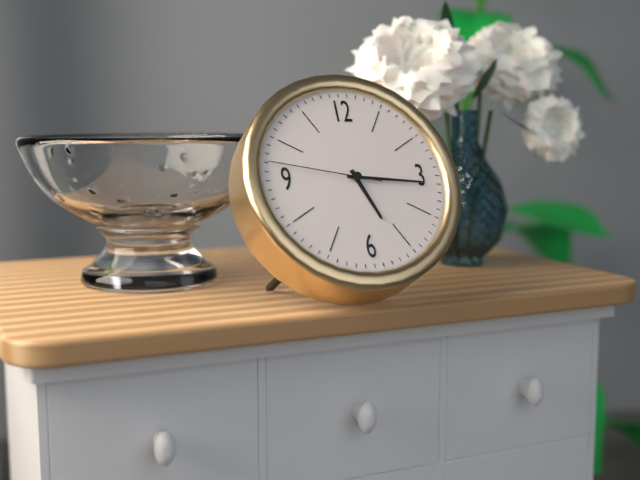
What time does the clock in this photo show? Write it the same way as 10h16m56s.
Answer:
5h16m47s
